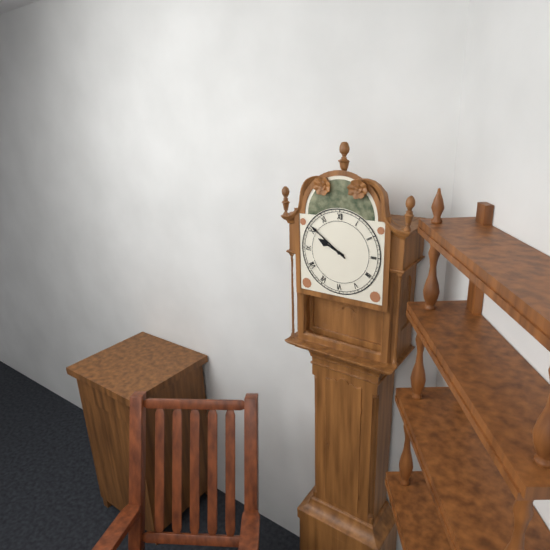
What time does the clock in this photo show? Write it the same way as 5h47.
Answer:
9h51
